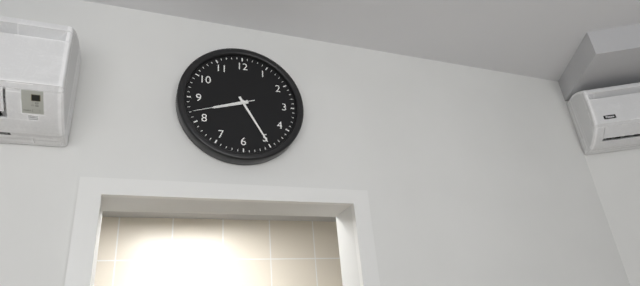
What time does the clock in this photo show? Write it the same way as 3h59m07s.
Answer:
8h25m42s
